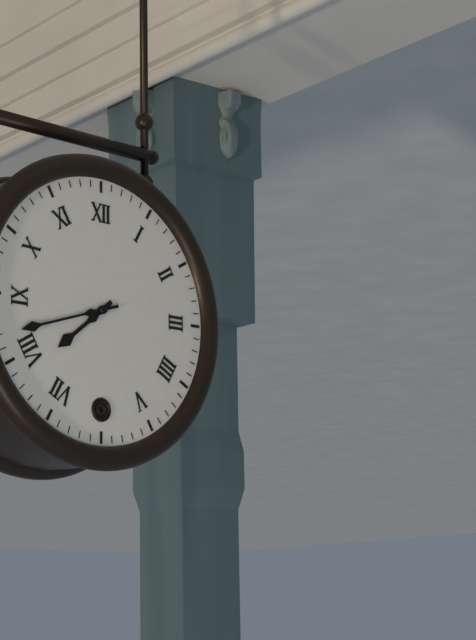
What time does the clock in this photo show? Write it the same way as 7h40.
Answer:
7h42
